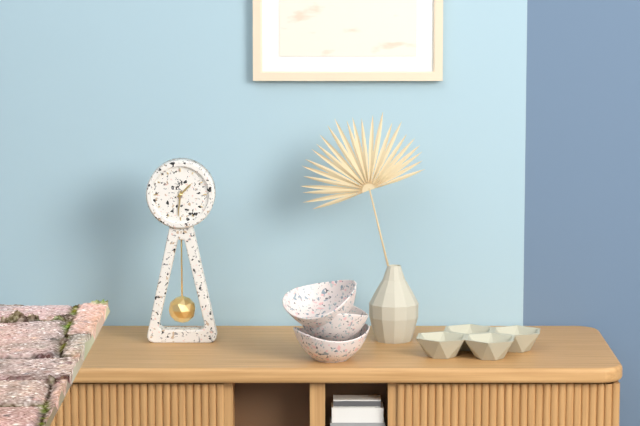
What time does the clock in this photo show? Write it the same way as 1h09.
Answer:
1h31
